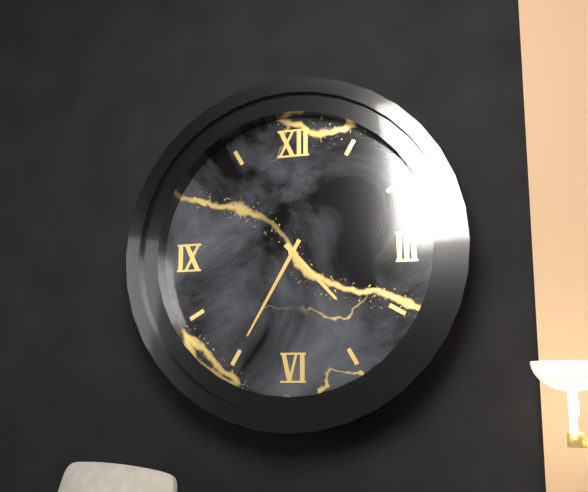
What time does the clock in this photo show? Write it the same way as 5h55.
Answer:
4h35
